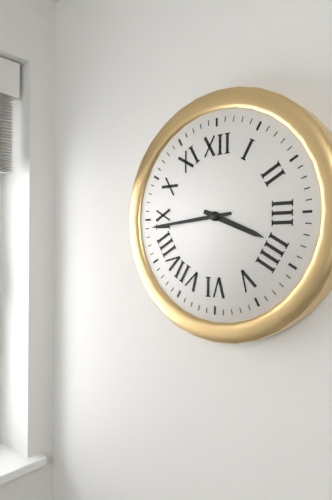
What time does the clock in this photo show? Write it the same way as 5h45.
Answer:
3h44
